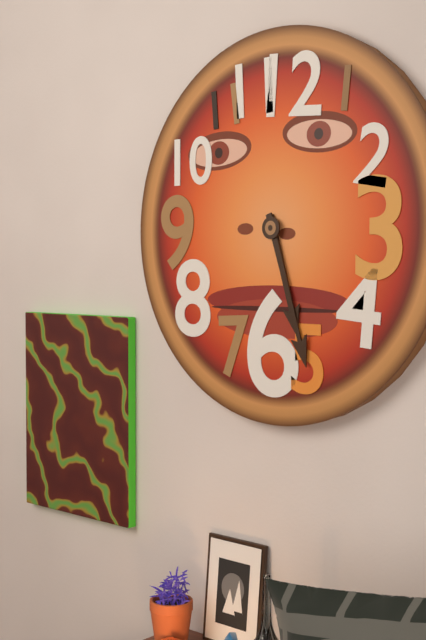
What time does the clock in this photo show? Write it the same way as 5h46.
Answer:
5h27
